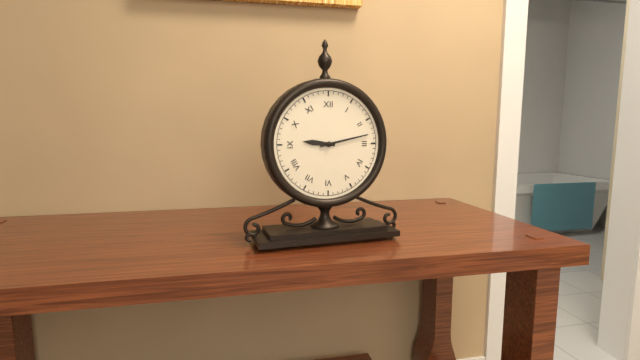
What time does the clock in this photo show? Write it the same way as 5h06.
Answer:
9h13
